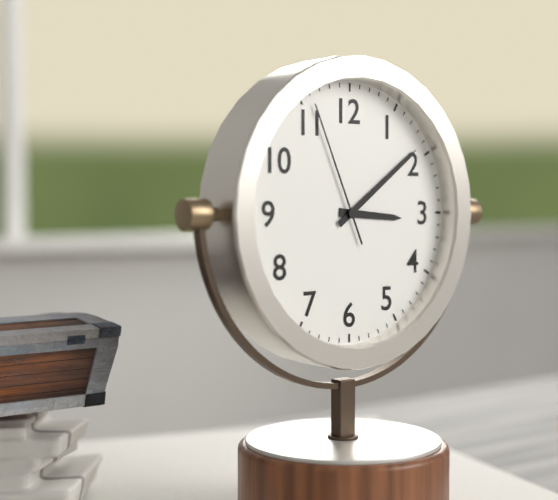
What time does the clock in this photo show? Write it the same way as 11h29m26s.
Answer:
3h09m56s
